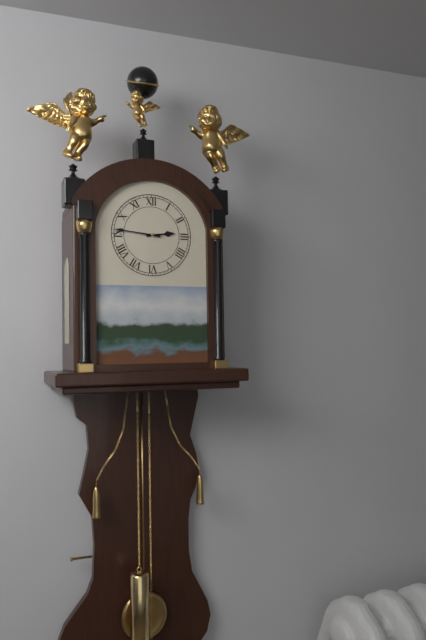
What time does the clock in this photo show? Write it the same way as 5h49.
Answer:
2h46
